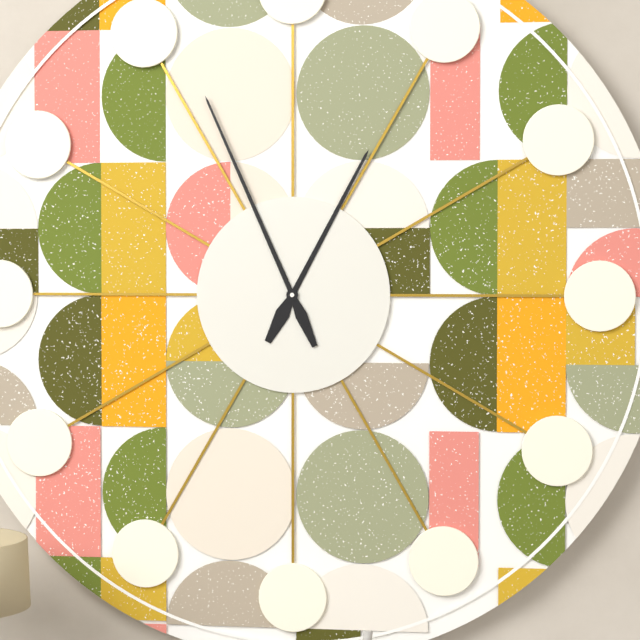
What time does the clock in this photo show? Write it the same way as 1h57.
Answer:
12h56
